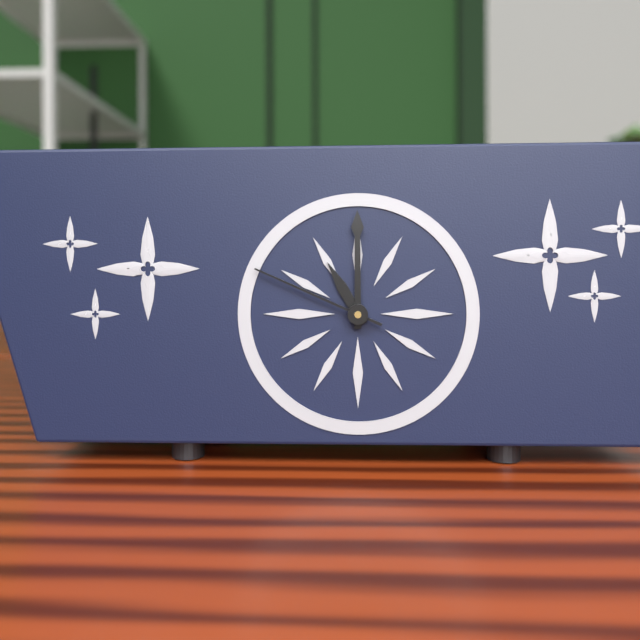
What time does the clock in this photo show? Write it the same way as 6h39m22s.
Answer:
11h00m49s
